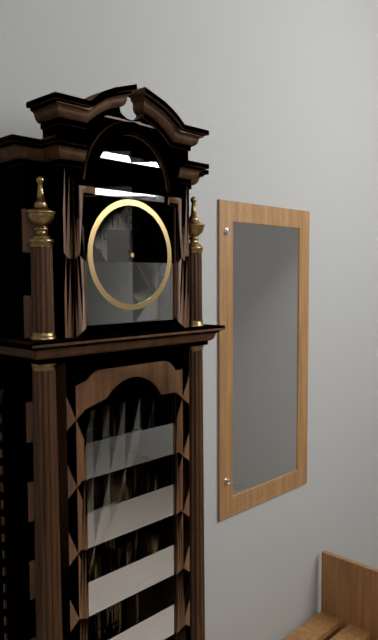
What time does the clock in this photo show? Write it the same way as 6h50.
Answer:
7h24
